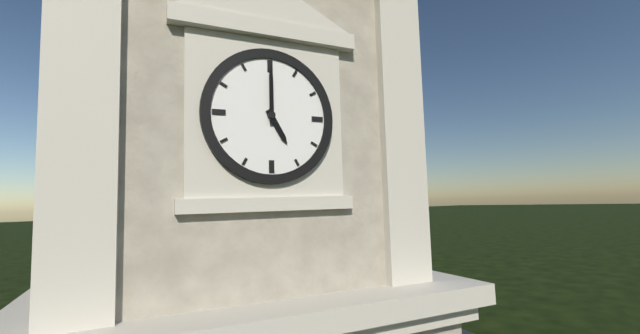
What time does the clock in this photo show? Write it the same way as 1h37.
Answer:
5h00
